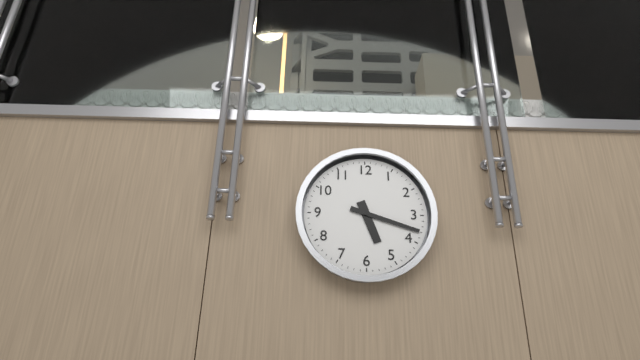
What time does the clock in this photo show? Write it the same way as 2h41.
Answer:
5h18
